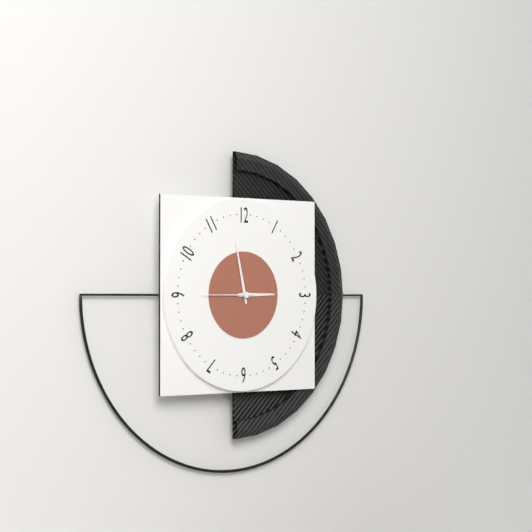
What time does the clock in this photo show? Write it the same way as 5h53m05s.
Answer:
2h58m45s
